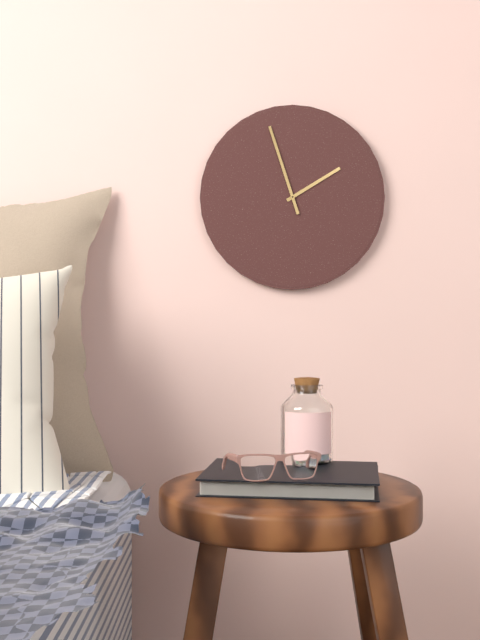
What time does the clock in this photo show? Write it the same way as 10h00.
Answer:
1h57
